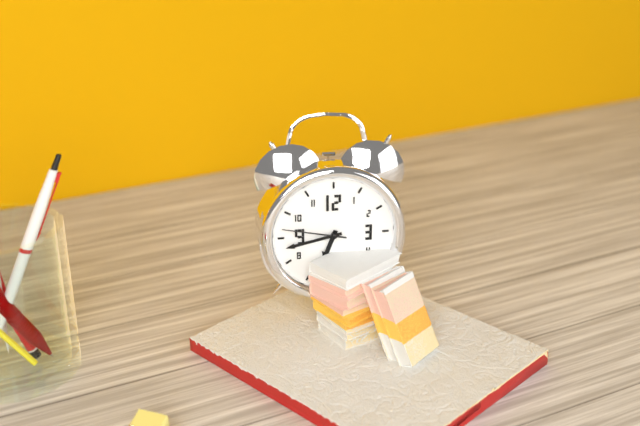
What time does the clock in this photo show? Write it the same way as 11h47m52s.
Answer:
6h43m47s
